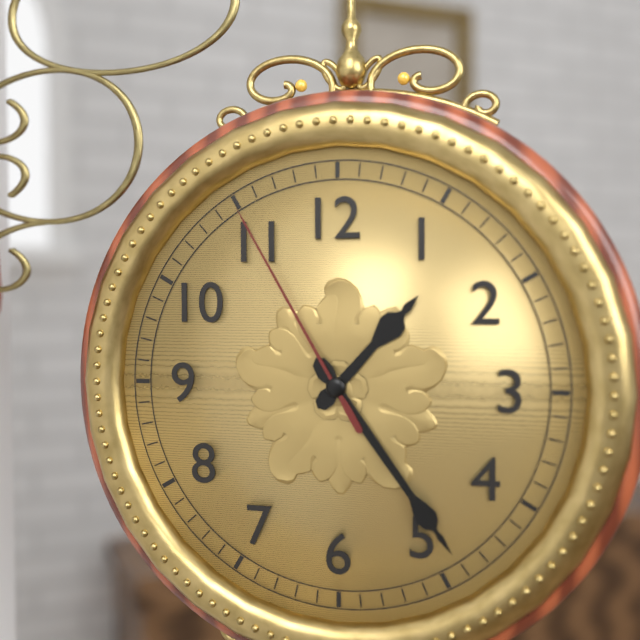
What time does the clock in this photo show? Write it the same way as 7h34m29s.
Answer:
1h24m55s
